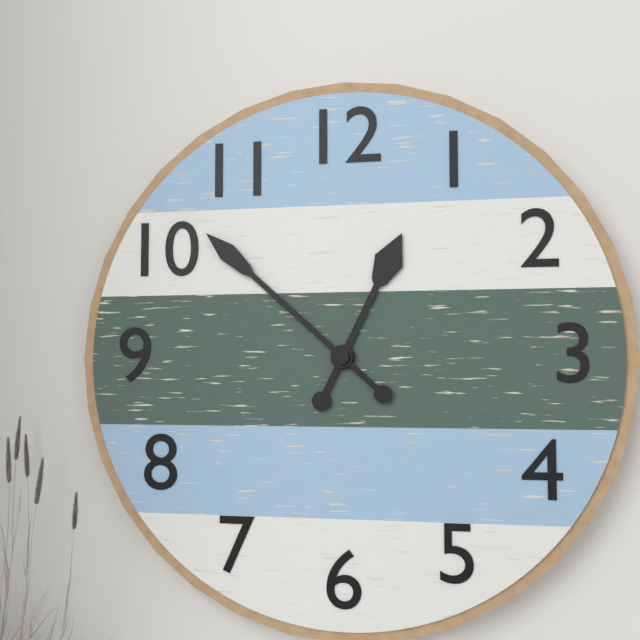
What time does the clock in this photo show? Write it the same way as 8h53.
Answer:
12h52
